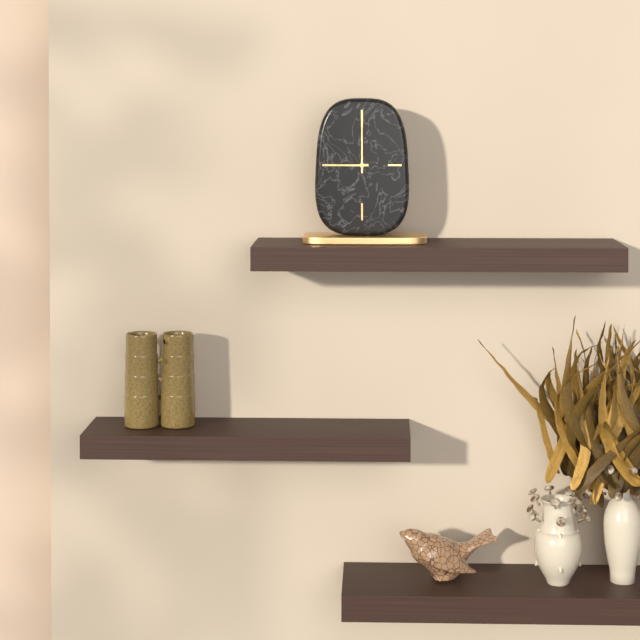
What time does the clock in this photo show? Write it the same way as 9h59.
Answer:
9h00
